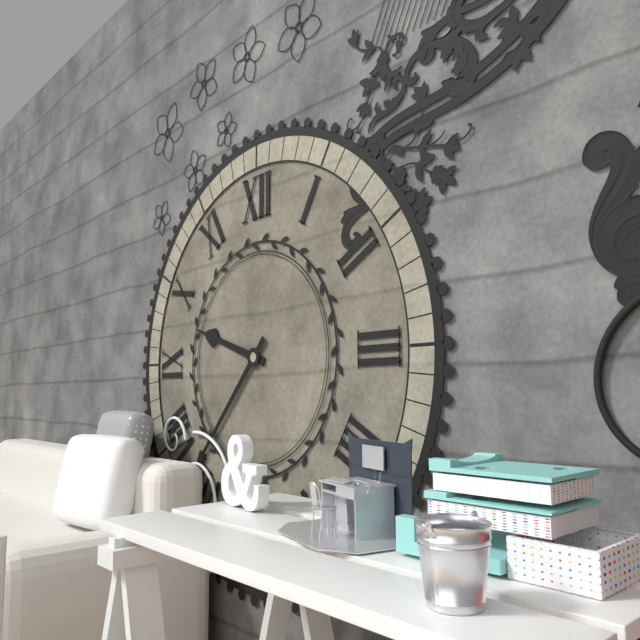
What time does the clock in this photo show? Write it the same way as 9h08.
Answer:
9h37
